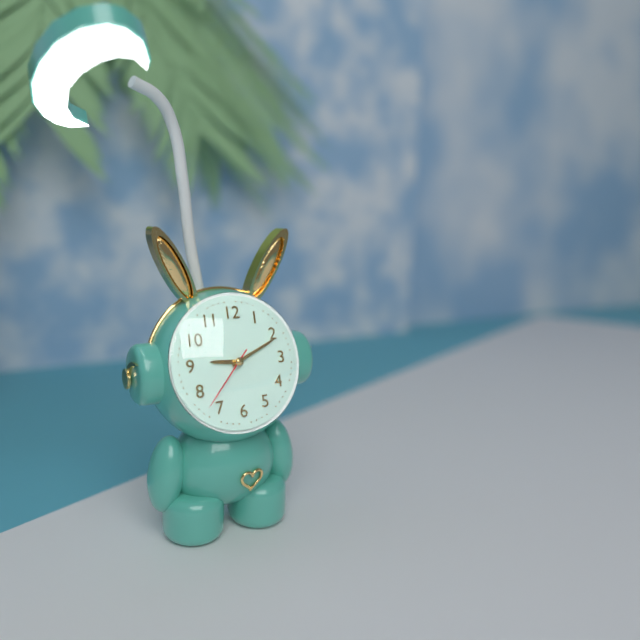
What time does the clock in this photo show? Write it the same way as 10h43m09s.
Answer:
9h11m37s
